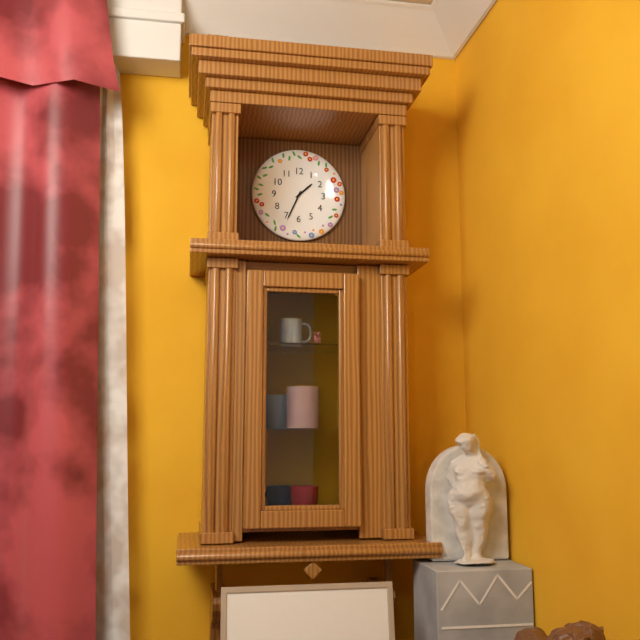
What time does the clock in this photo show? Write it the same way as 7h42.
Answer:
1h34
